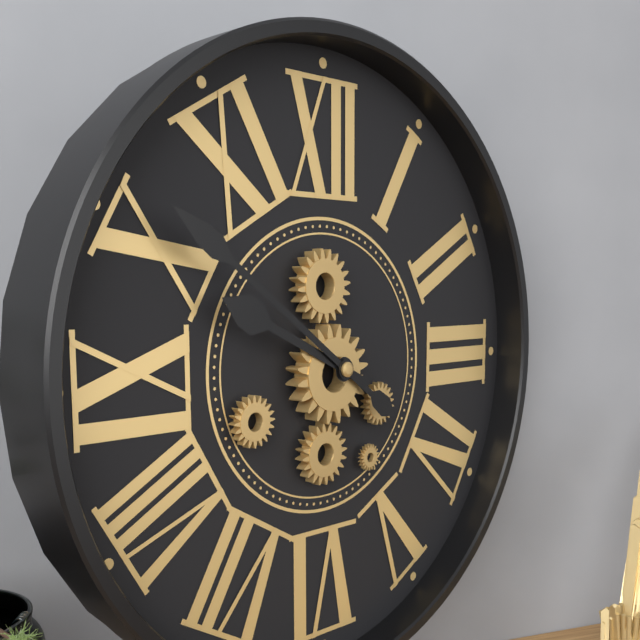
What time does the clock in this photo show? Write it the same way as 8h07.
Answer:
9h51
